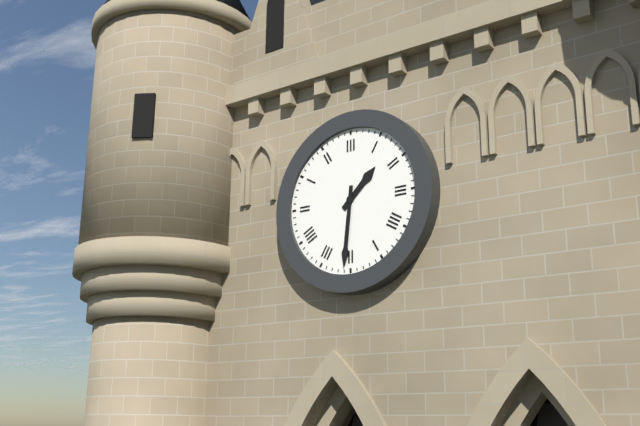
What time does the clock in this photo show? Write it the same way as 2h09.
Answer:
1h31
